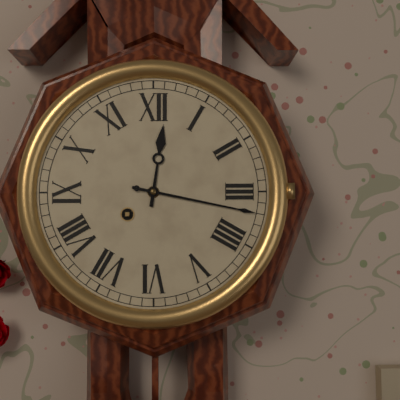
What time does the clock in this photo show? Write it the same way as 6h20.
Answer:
12h17
